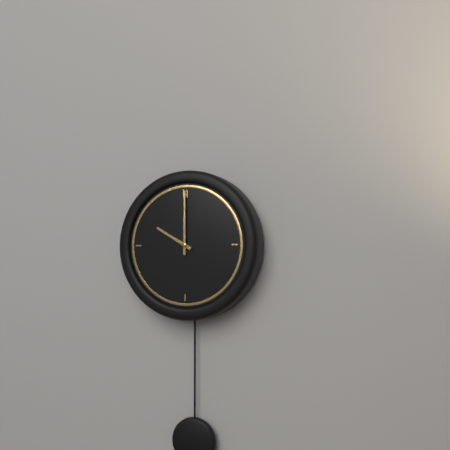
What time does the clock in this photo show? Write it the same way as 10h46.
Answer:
10h00
